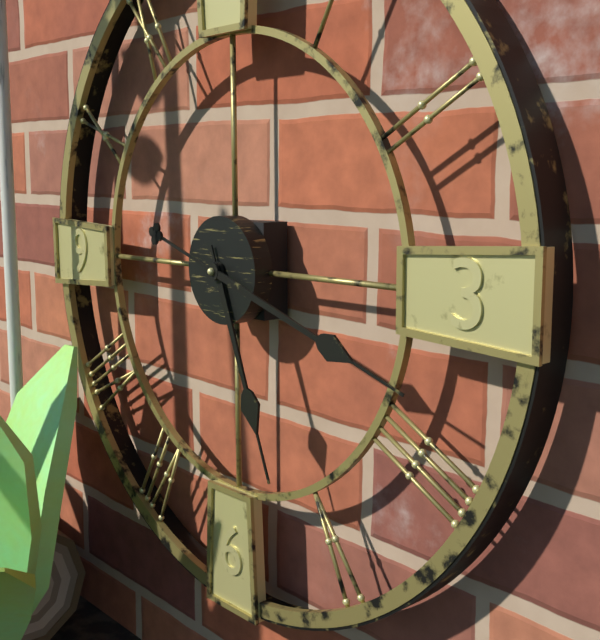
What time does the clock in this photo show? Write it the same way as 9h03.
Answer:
5h18
